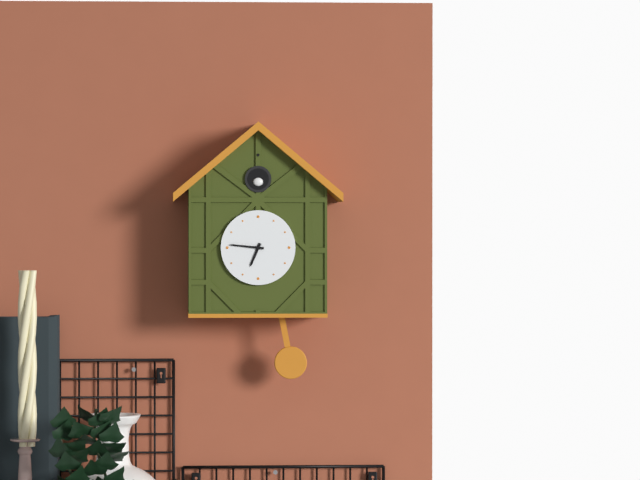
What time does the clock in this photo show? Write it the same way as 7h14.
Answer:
6h46
